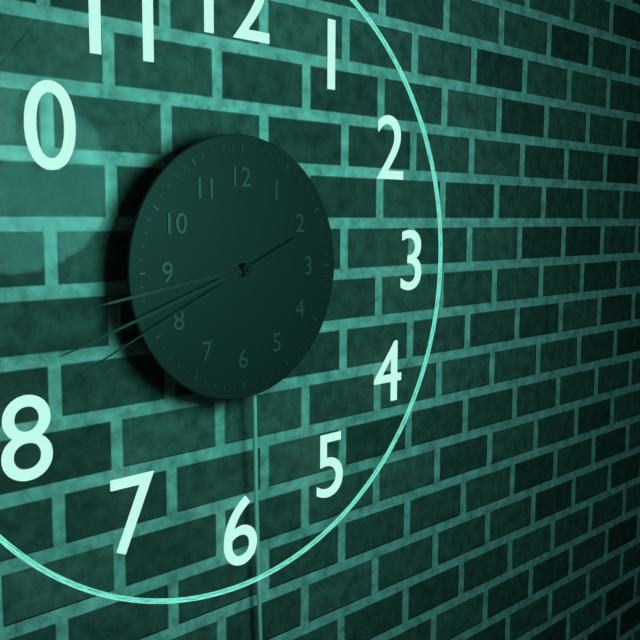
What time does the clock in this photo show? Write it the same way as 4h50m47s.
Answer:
8h42m41s
